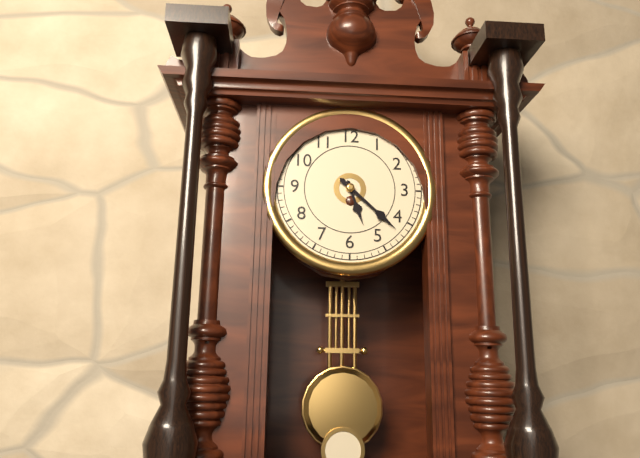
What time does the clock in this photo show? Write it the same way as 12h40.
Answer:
5h22
